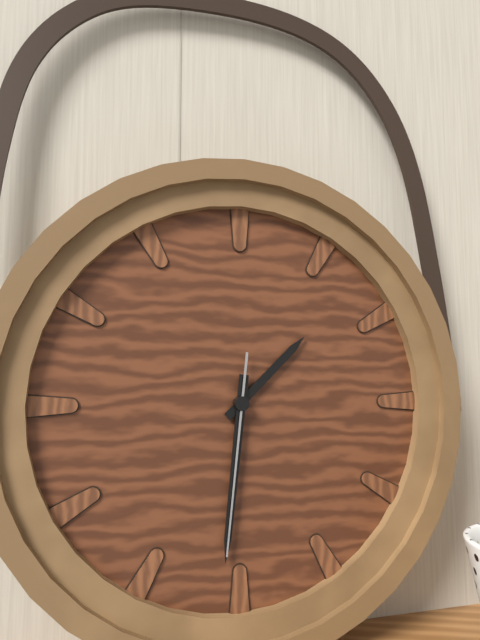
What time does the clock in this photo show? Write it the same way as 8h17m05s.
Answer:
1h31m31s
